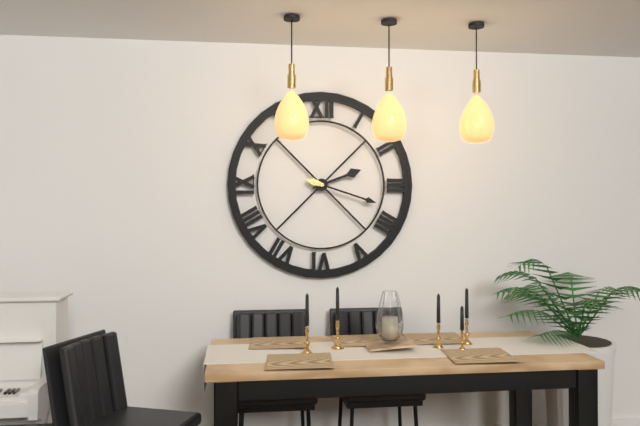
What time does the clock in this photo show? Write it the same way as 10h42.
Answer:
2h18
